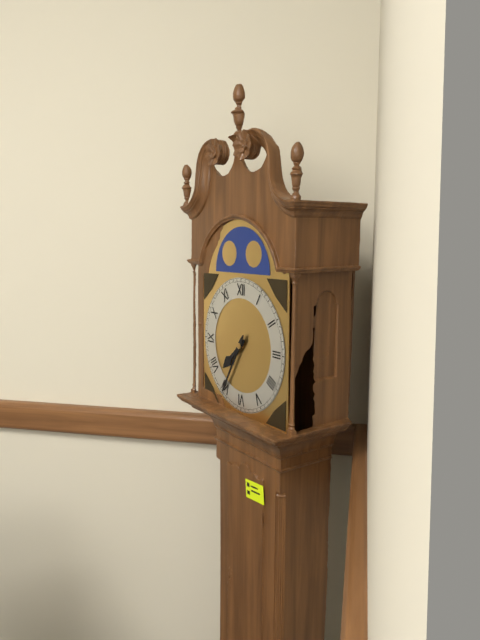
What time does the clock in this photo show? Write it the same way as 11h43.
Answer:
7h35
